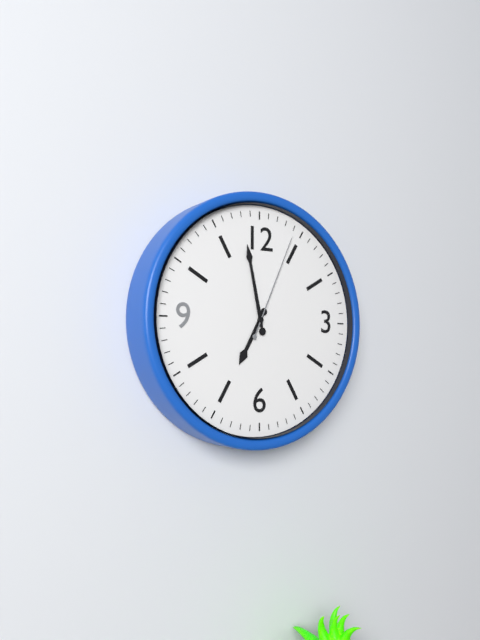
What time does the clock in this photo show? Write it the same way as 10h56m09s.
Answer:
6h58m04s
